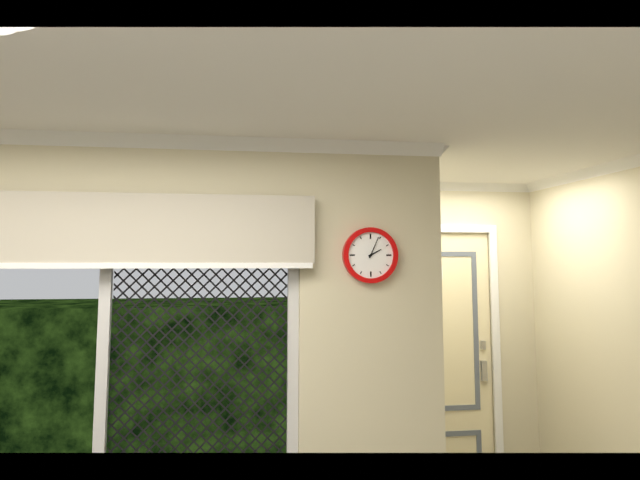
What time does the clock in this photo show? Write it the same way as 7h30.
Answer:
2h04
